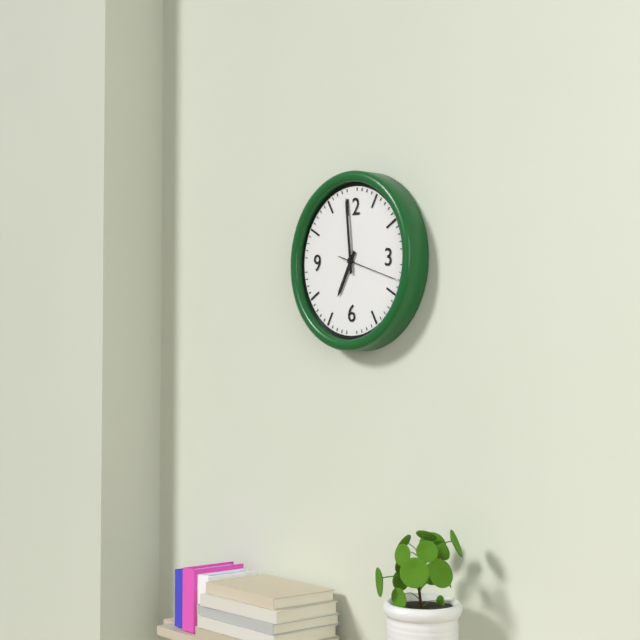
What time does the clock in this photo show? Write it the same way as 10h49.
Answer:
6h59
